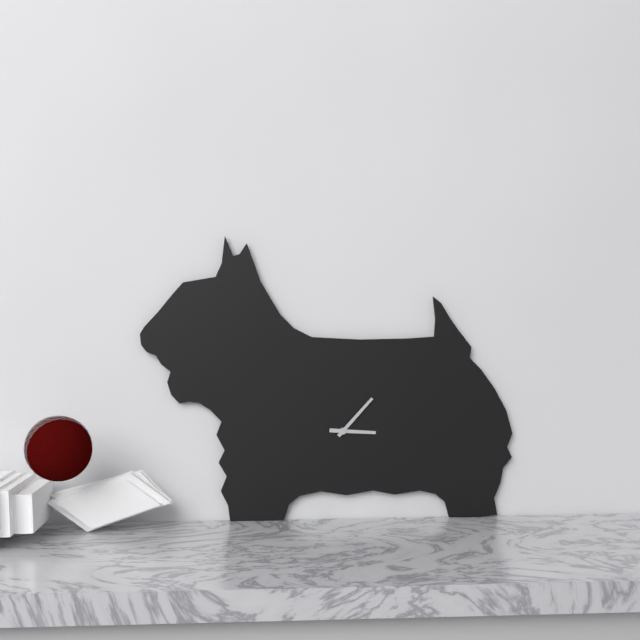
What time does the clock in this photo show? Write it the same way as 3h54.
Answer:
3h07
